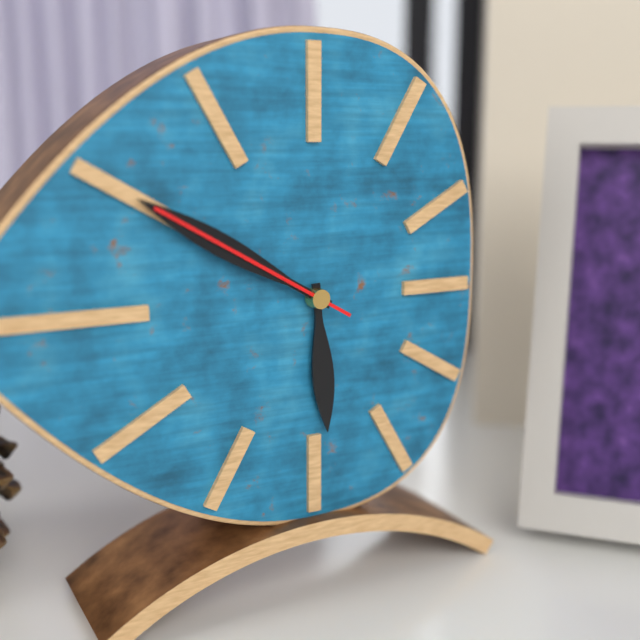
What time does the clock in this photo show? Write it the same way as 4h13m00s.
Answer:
5h50m50s
